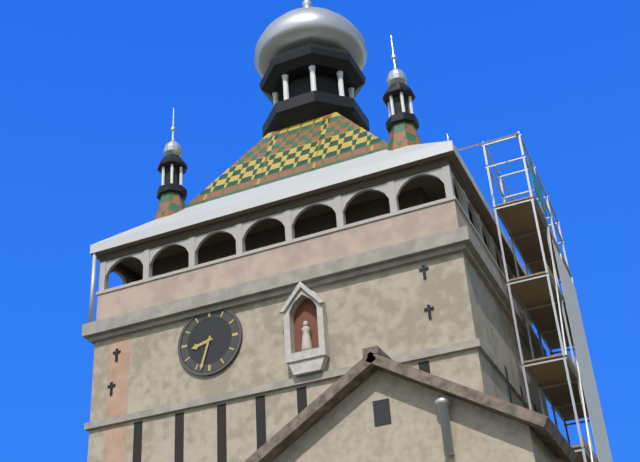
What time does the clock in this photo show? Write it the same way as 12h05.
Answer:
8h33
